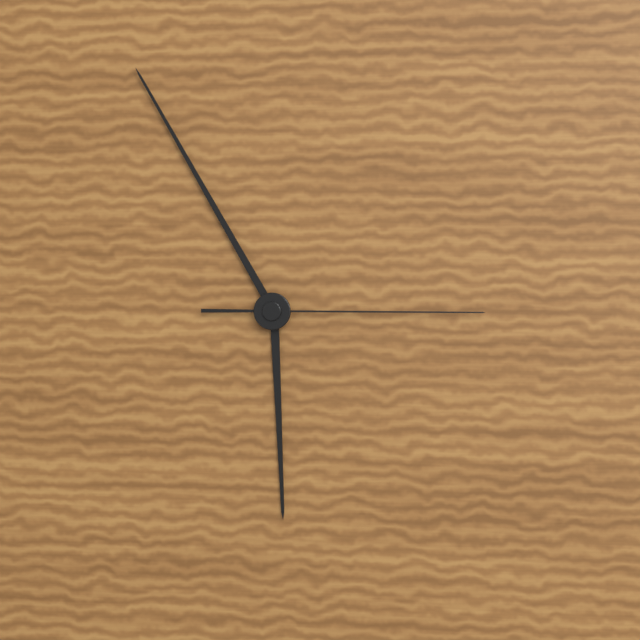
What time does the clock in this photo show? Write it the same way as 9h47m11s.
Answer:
5h55m15s
